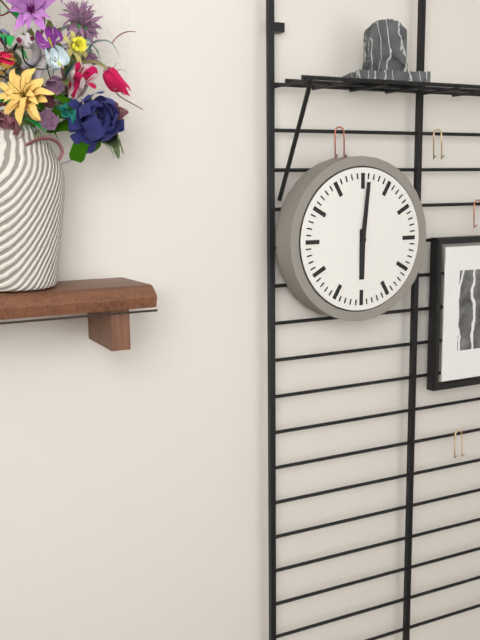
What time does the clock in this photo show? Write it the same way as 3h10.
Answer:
6h01
